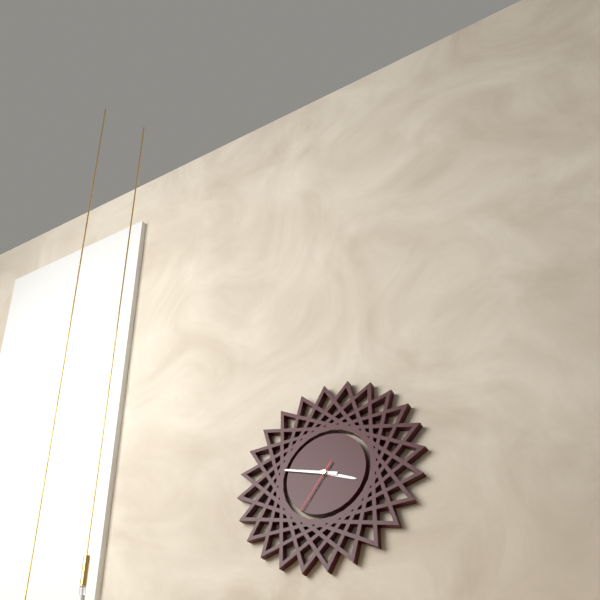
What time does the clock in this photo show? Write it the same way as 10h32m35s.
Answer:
3h48m36s
